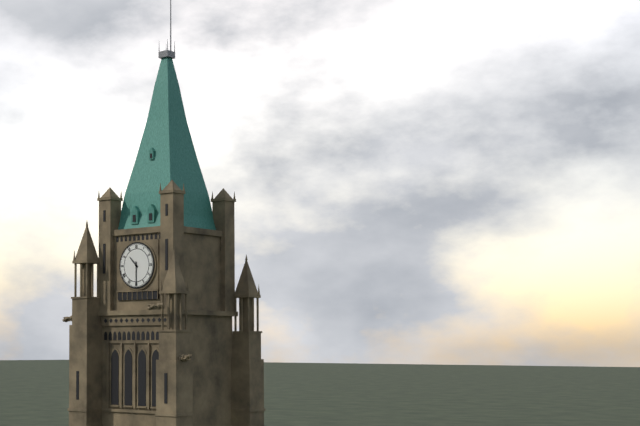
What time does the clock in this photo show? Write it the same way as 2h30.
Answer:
10h30
